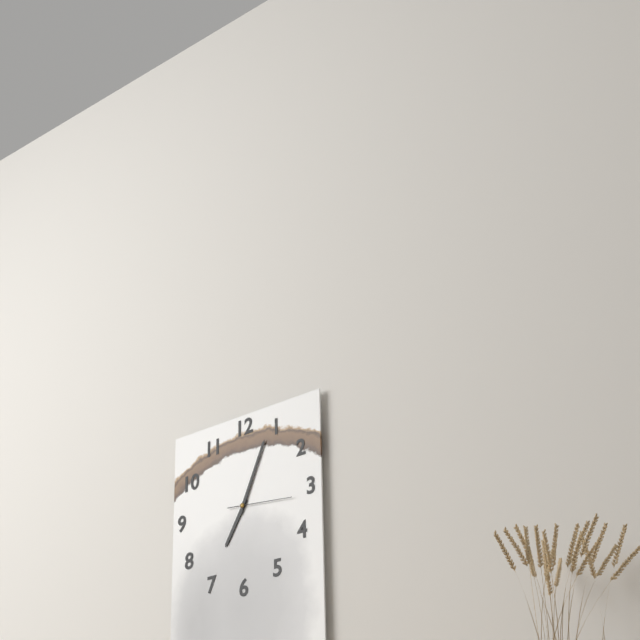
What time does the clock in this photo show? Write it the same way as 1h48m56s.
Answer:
7h04m16s
